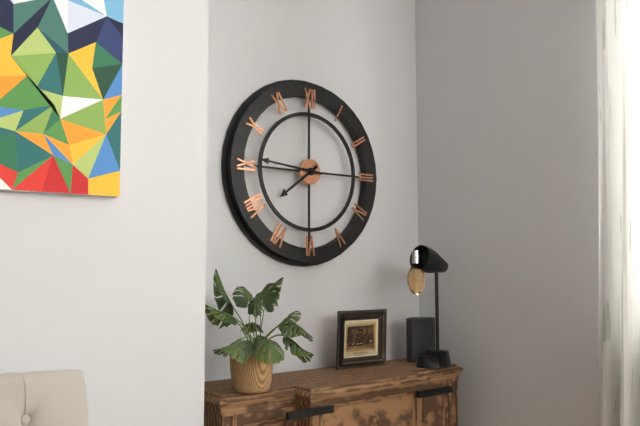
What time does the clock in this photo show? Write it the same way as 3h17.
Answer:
7h46
